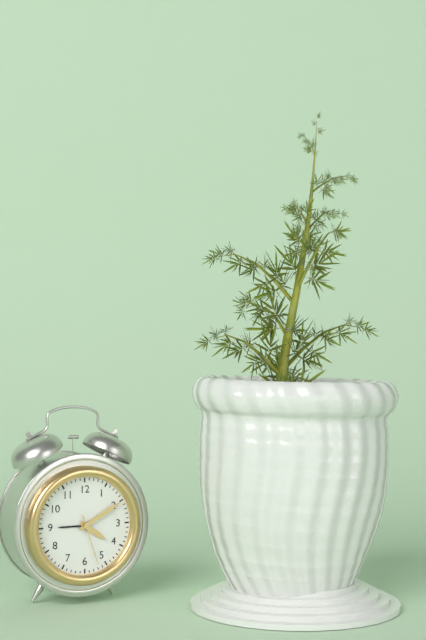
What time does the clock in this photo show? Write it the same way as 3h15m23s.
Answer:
4h10m27s
